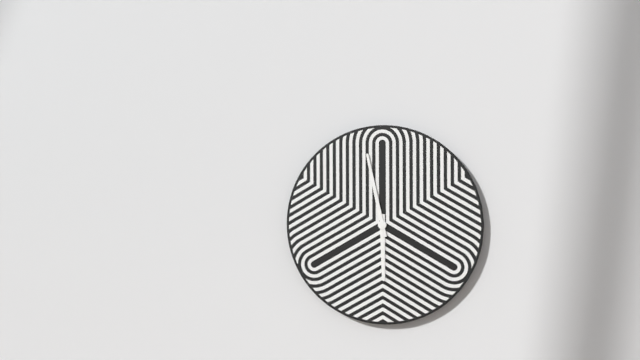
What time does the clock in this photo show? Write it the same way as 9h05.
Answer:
5h58
